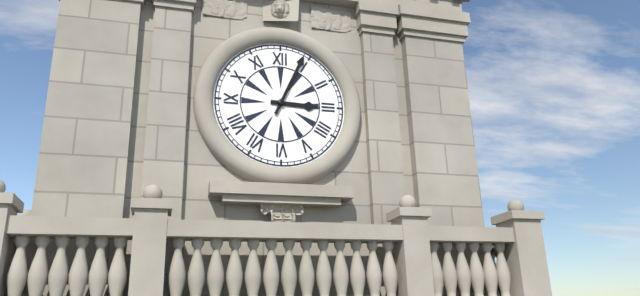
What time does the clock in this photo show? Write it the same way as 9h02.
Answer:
3h04
